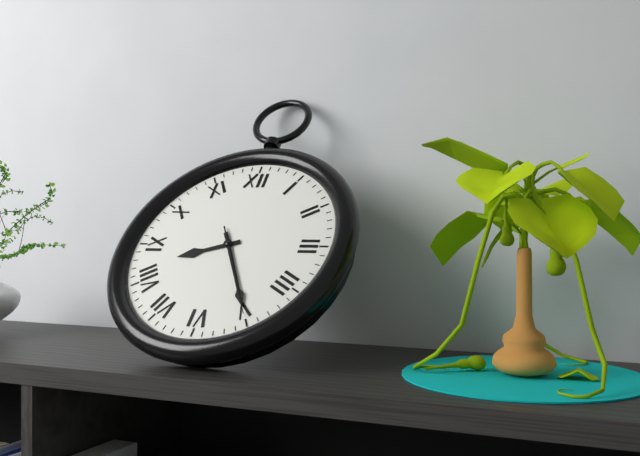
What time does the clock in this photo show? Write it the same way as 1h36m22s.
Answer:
8h25m25s
